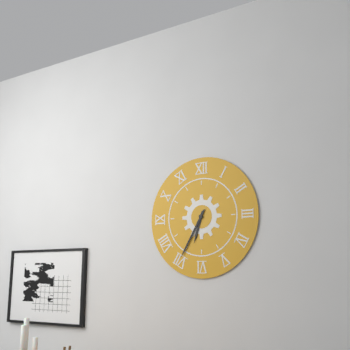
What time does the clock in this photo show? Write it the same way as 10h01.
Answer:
6h35
